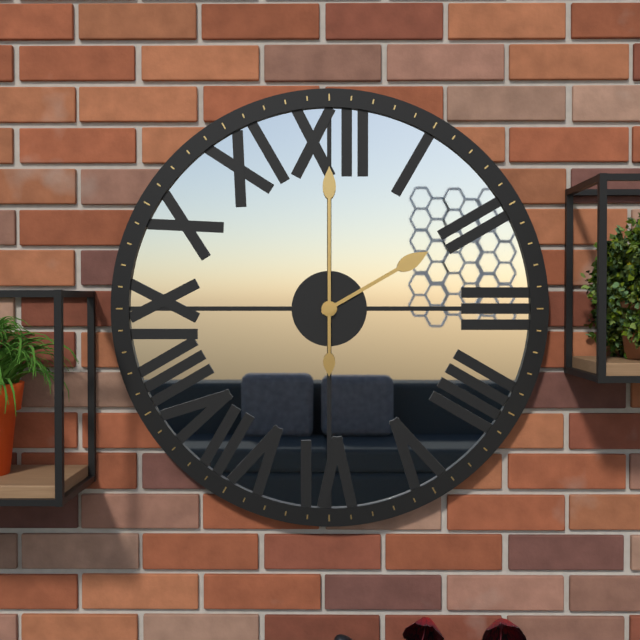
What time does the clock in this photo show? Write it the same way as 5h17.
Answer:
2h00
